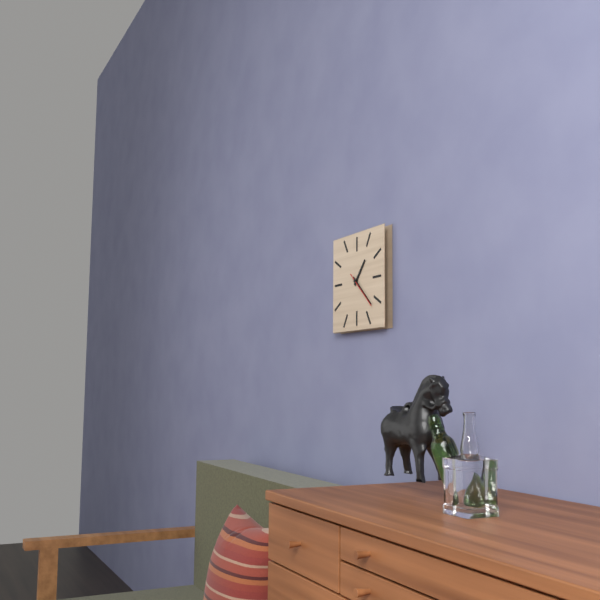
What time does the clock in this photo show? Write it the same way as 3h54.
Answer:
1h22
